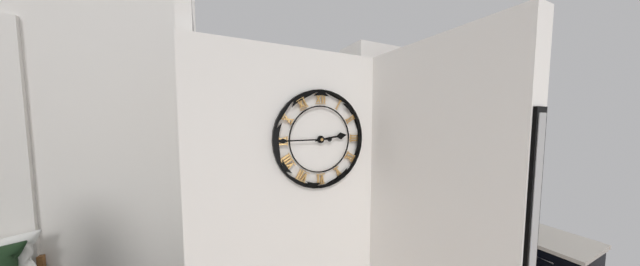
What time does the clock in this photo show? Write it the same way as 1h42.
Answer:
2h45
